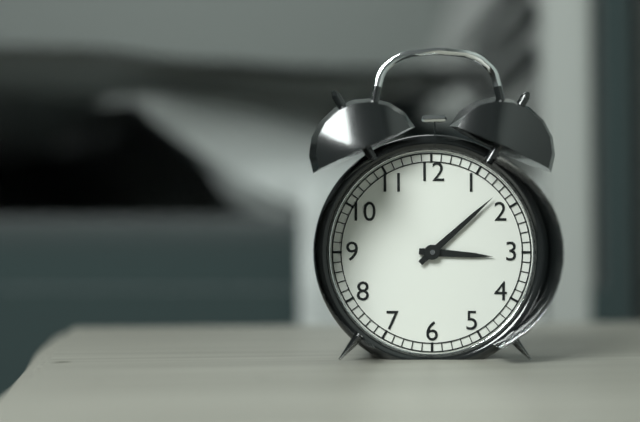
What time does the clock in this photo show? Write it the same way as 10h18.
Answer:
3h08
